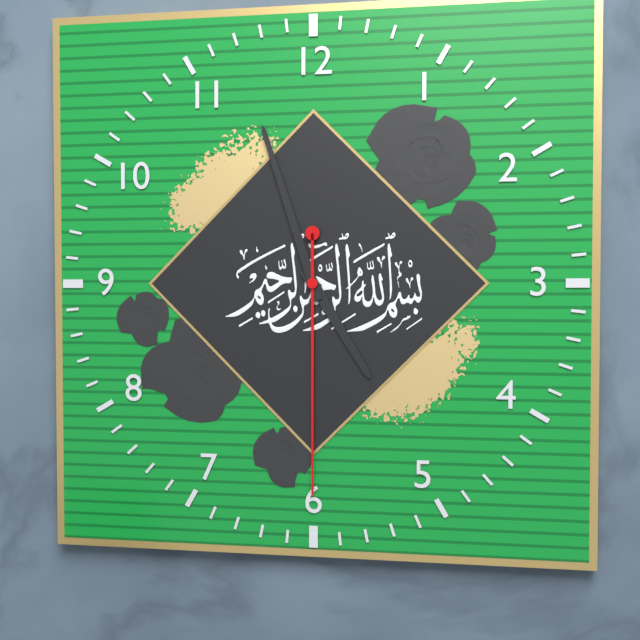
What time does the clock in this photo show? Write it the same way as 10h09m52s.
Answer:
4h57m30s
